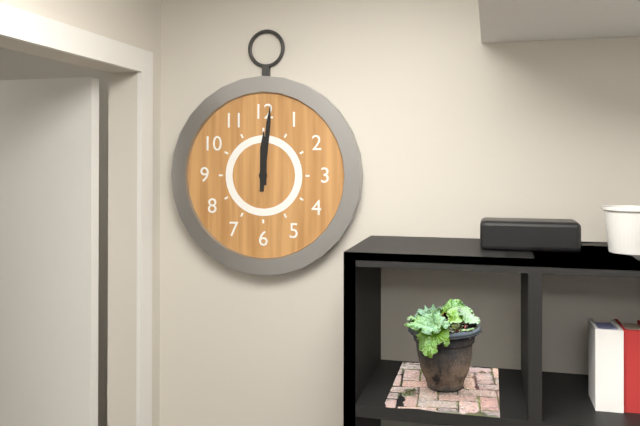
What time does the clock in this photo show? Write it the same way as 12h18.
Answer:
12h01
